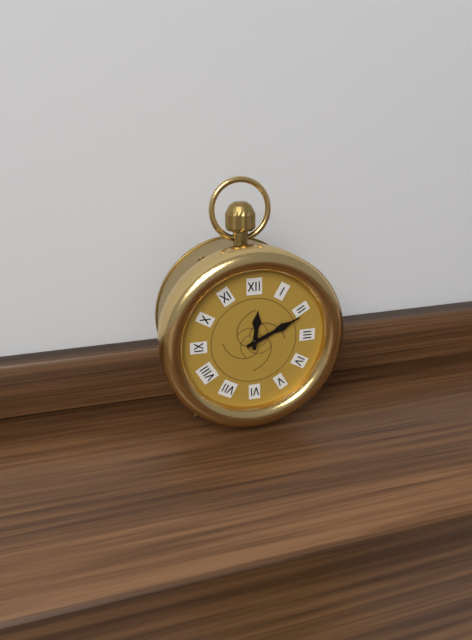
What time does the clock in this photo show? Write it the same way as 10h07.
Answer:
12h11
